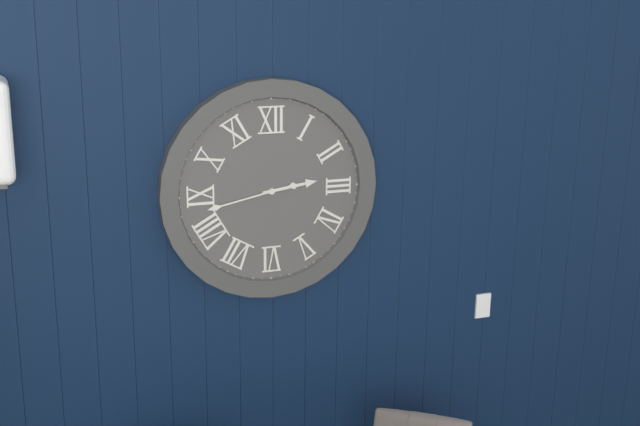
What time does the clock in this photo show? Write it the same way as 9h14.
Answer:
2h43
